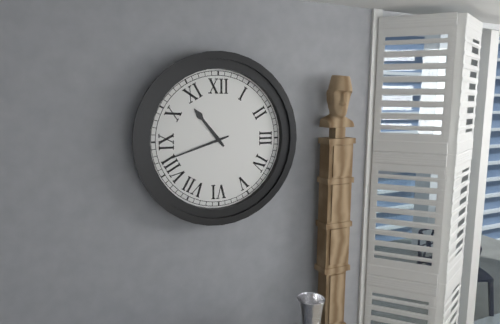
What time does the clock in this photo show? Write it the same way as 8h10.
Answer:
10h42
